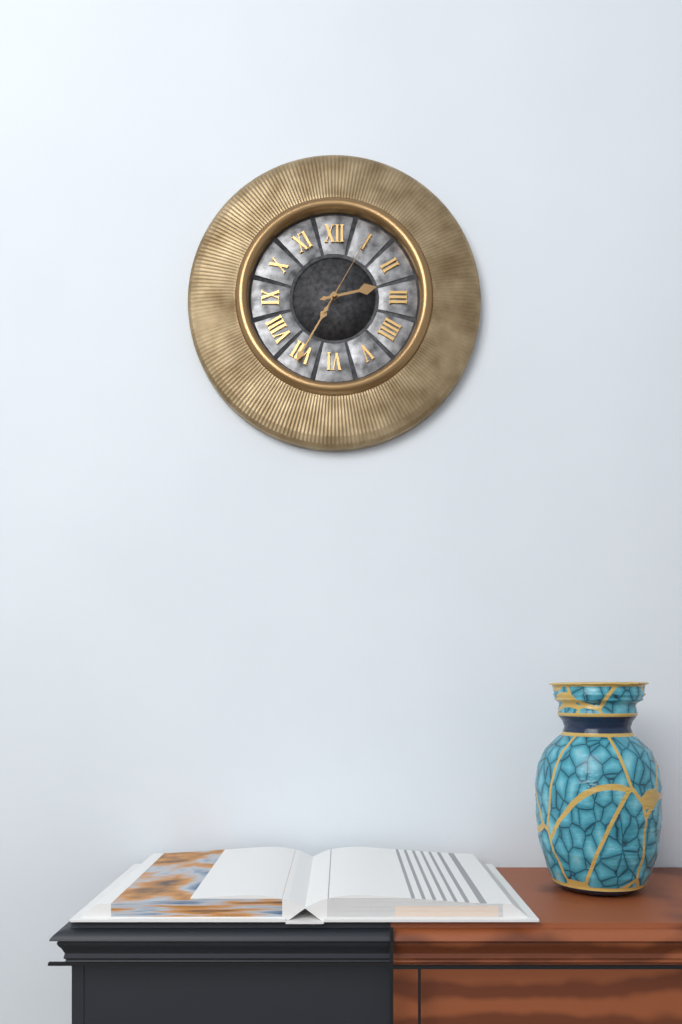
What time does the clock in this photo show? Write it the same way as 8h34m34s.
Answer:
2h35m05s
